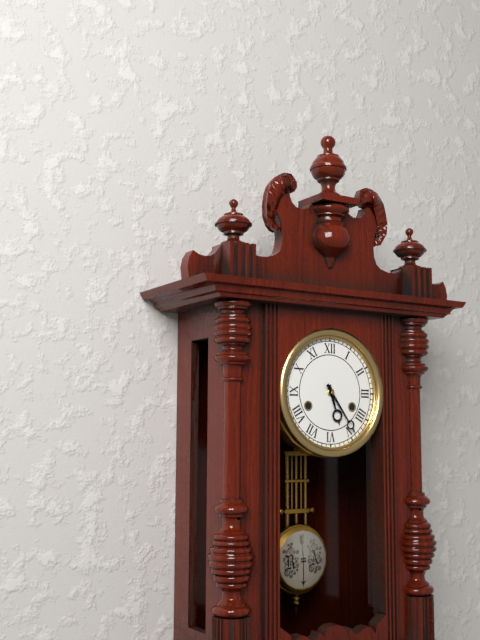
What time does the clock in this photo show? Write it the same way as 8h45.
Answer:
5h24
